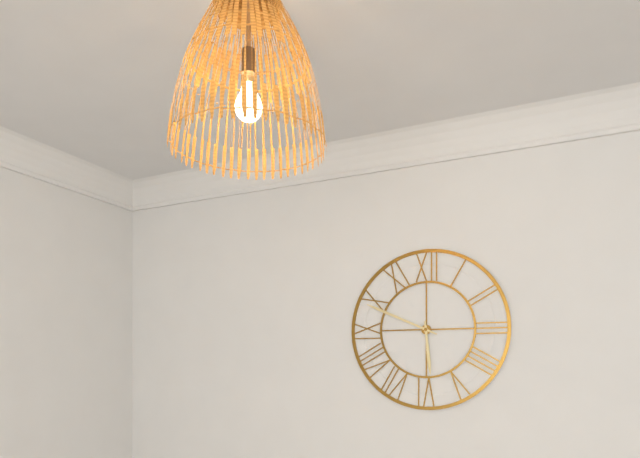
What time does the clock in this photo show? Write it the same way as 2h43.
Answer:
5h49
